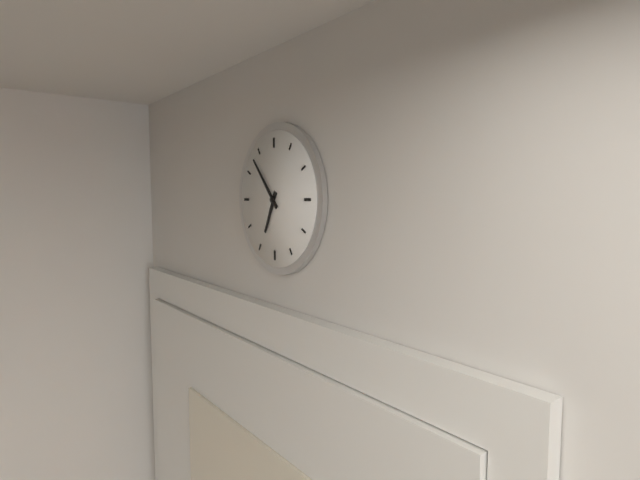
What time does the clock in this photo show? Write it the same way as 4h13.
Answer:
6h53
